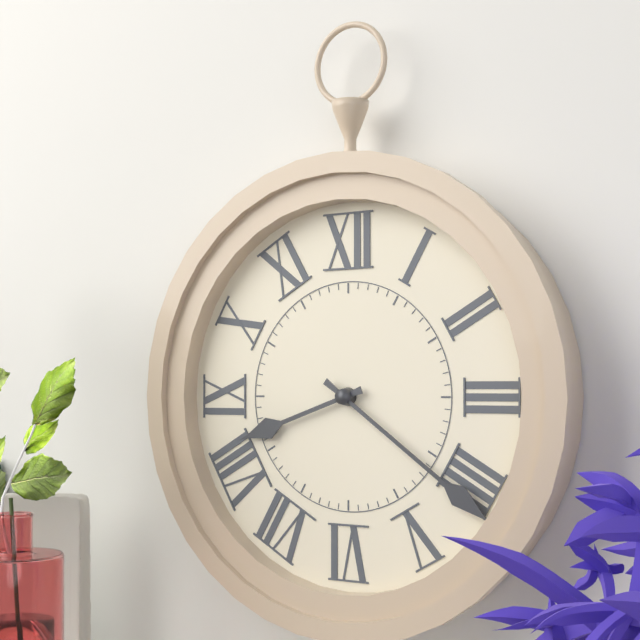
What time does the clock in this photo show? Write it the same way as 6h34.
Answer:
8h21
